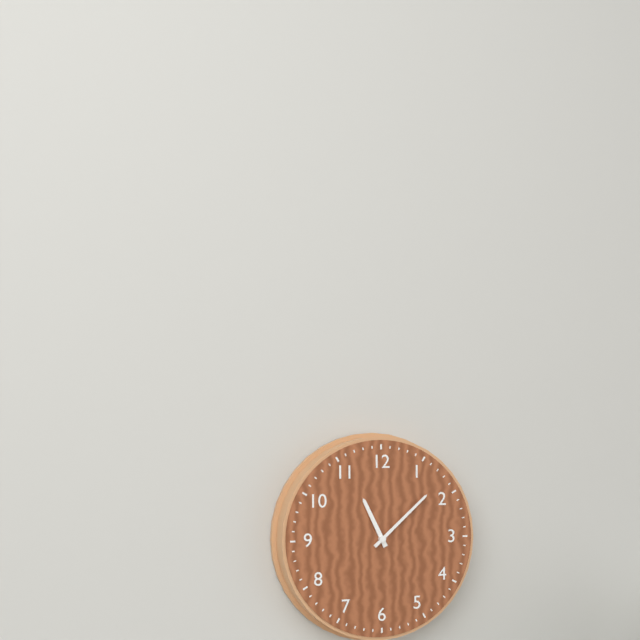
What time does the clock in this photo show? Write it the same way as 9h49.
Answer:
11h08
